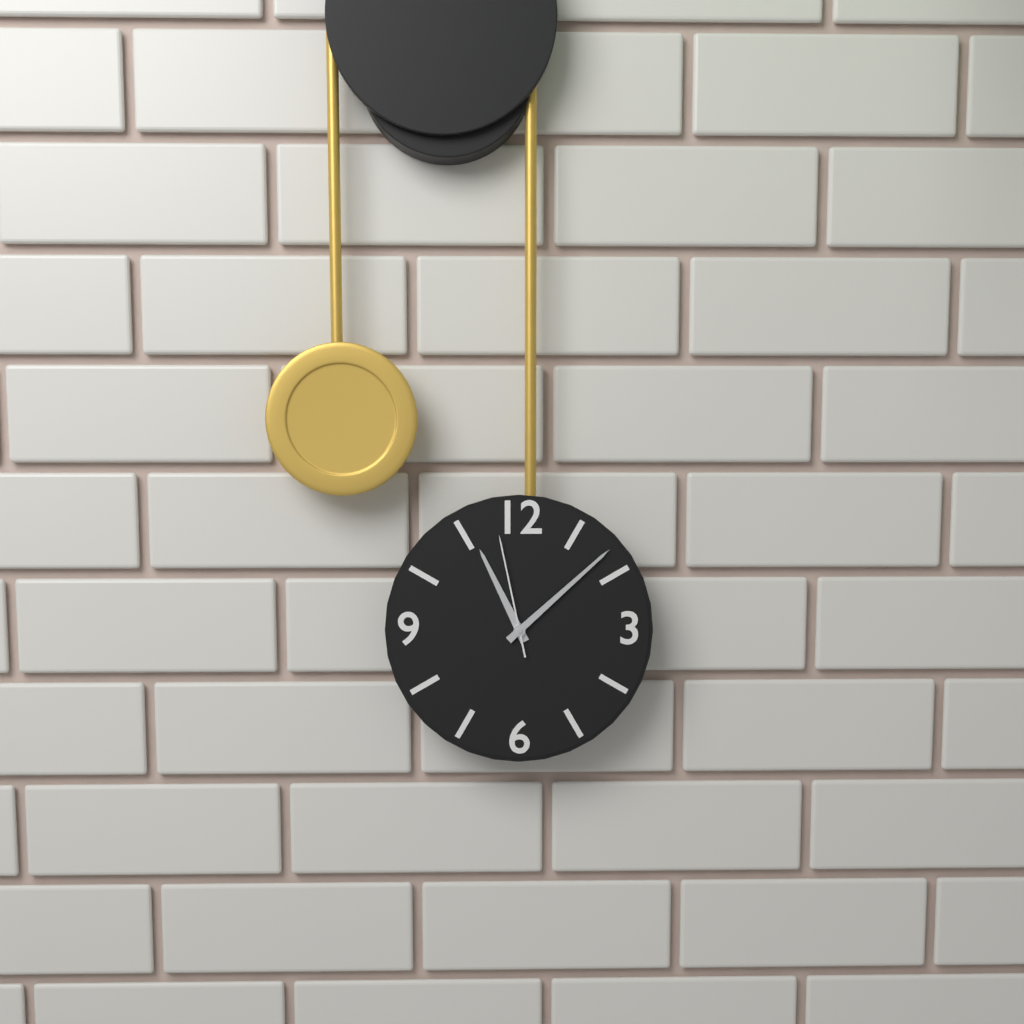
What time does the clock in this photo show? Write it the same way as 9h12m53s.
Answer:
11h08m58s
